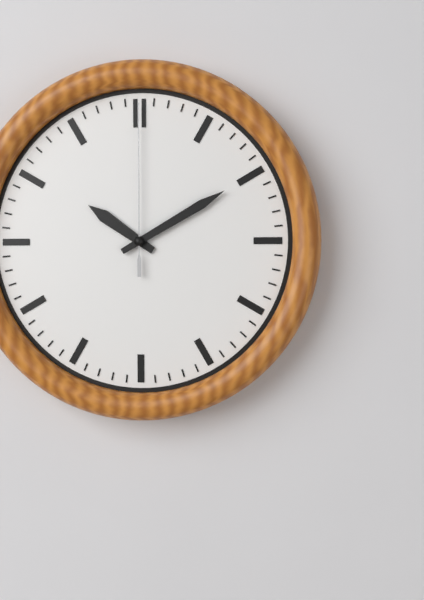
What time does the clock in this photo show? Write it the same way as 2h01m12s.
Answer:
10h10m00s
